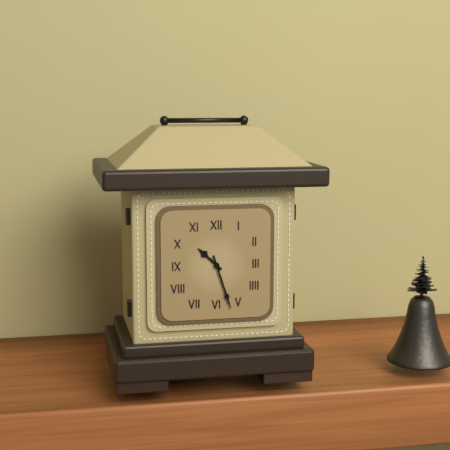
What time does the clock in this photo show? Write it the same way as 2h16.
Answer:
10h27
